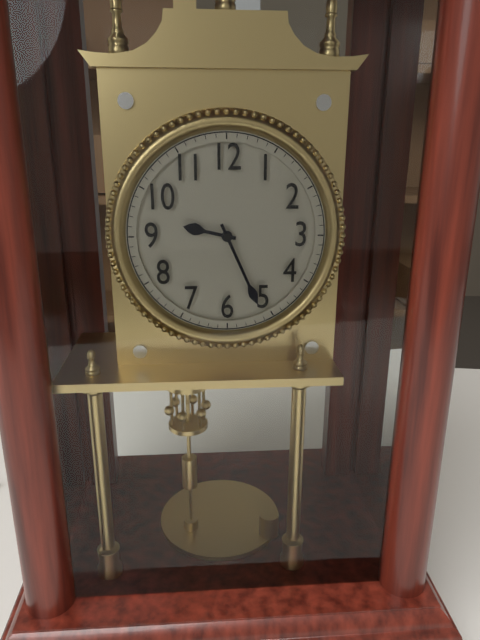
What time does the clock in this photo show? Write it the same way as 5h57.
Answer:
9h26
